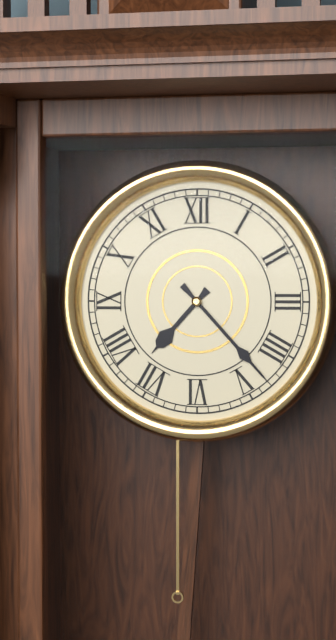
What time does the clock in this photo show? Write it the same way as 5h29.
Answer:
7h23
